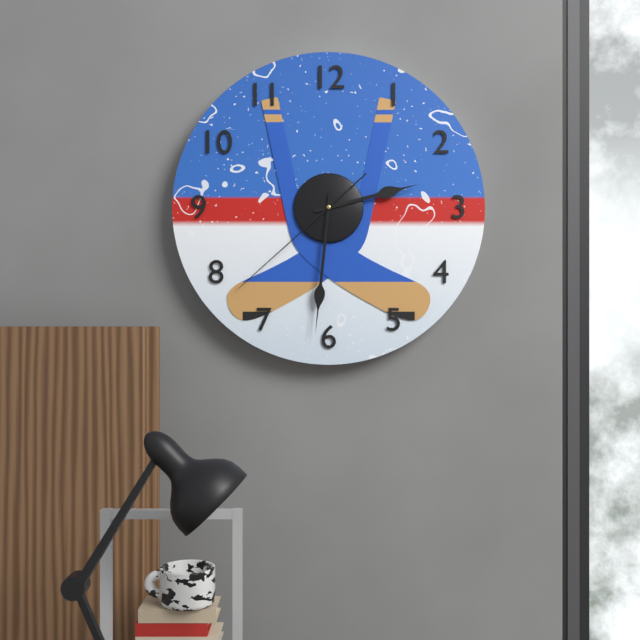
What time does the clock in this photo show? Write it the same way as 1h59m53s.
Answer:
2h31m38s
